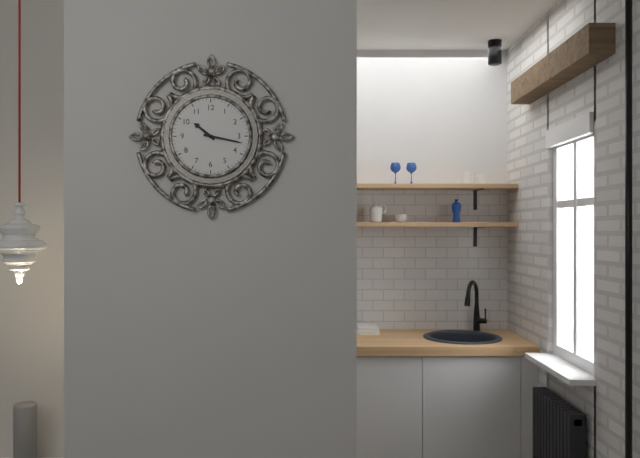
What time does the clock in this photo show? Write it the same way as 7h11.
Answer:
10h17
